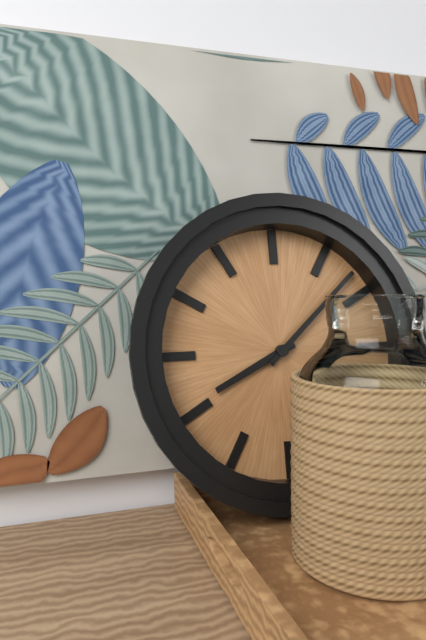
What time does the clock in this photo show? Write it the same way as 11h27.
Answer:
8h08
